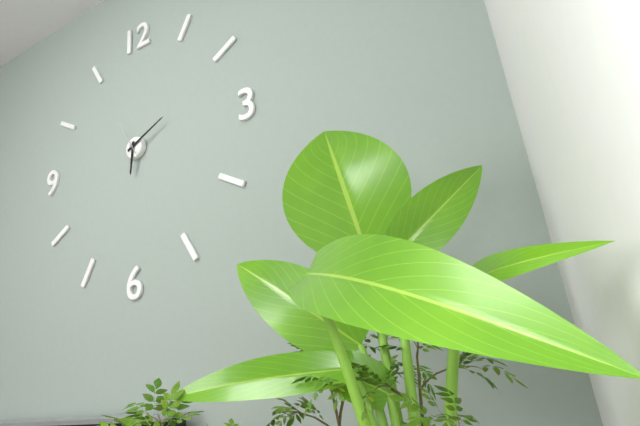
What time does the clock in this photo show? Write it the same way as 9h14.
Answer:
6h11
